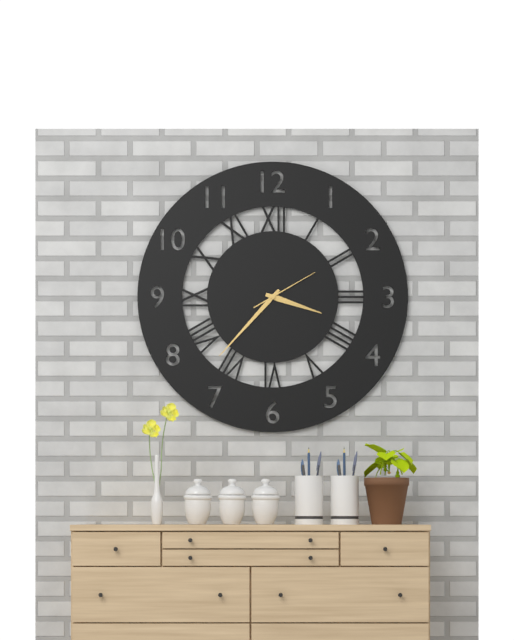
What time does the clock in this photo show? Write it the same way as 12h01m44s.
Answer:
3h37m10s
